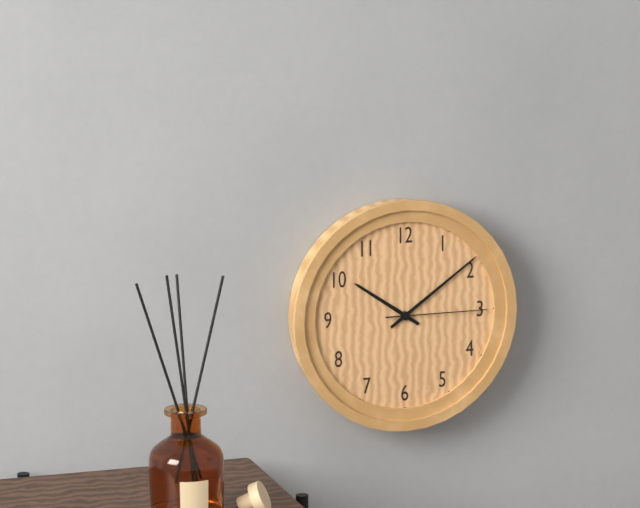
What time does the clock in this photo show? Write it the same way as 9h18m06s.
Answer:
10h09m15s
